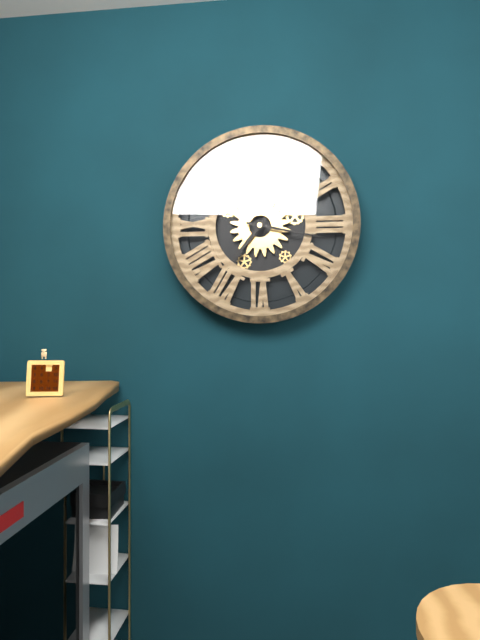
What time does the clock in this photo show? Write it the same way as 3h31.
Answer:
7h17
